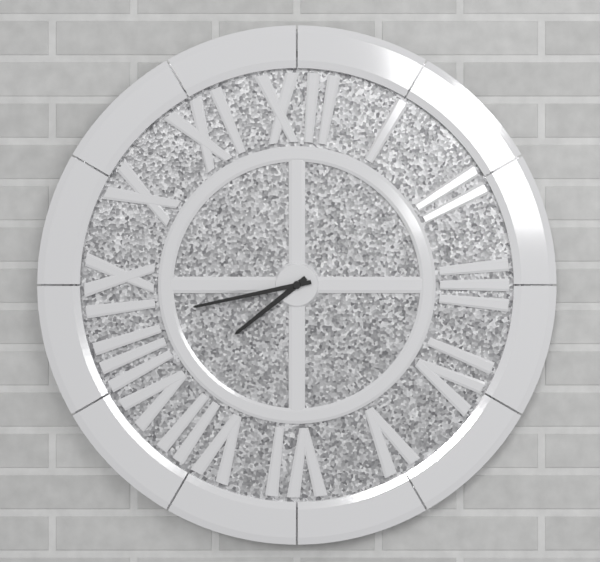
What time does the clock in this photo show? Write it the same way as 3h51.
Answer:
7h43
